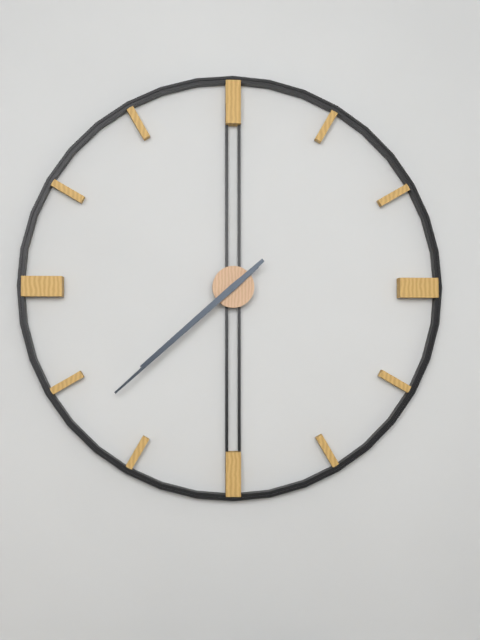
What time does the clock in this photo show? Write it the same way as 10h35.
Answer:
7h38
